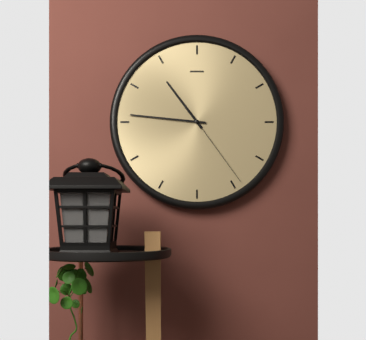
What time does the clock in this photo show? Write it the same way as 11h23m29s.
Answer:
10h46m24s
